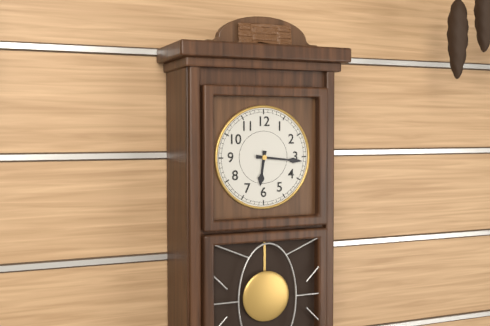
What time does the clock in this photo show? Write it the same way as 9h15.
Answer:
6h16
